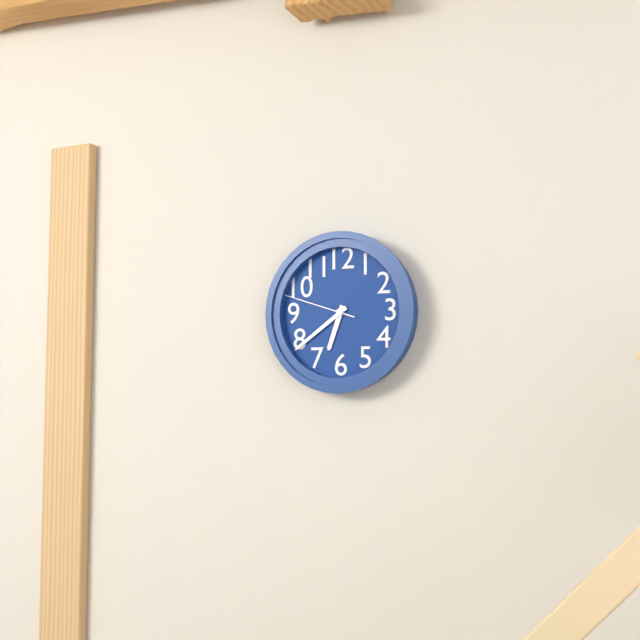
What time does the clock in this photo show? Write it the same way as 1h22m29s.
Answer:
6h39m48s
